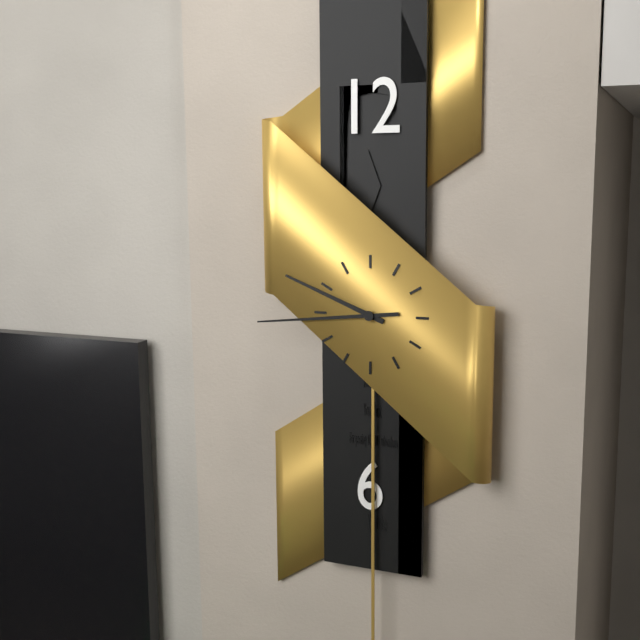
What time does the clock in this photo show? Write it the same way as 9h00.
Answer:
9h44
